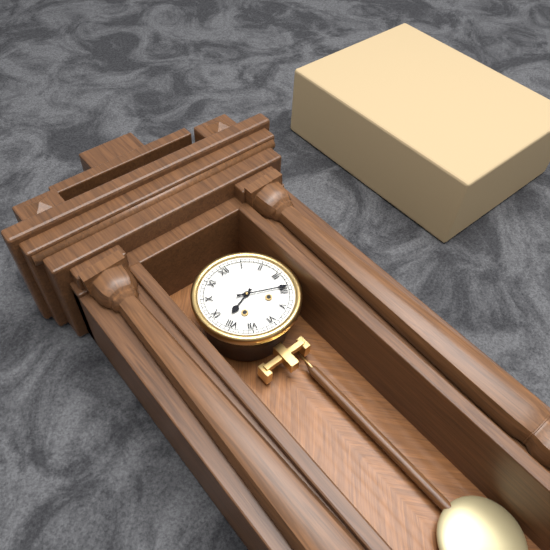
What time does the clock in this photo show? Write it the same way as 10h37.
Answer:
8h19
